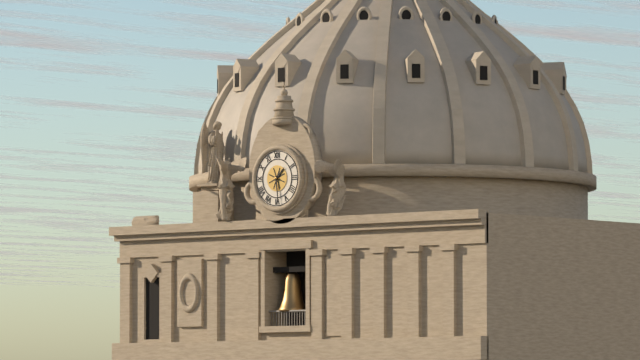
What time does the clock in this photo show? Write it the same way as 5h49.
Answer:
1h29
